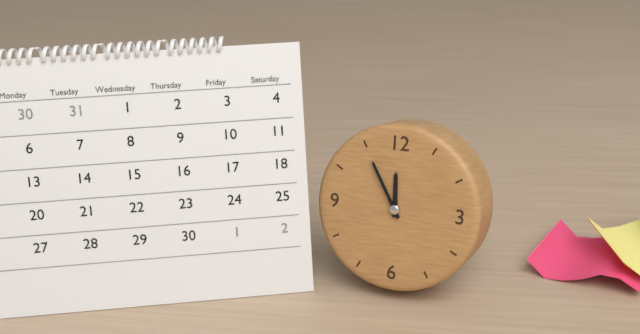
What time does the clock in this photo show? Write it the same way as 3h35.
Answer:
11h55
